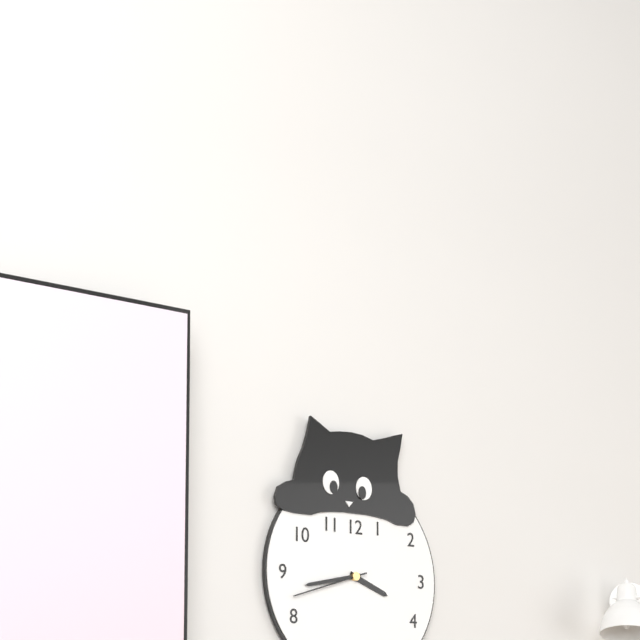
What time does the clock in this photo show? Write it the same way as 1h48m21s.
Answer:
3h43m42s
